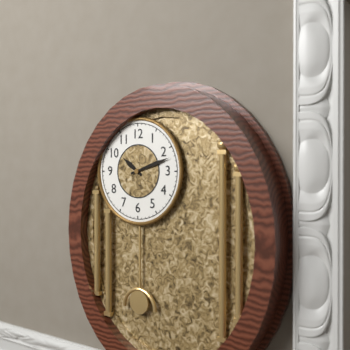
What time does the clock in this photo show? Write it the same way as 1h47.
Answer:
10h12
